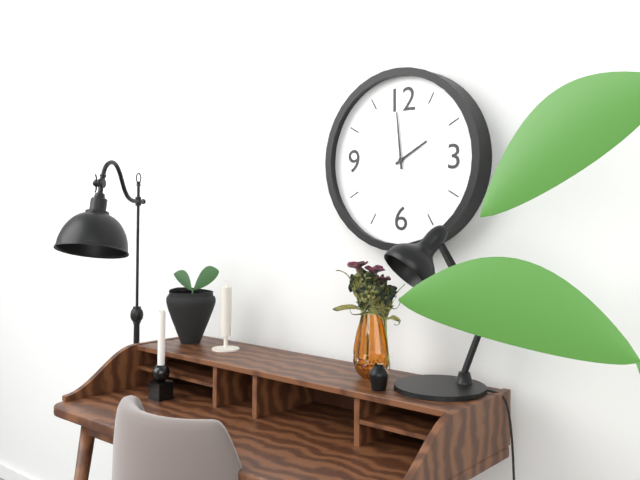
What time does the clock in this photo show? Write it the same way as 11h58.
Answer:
1h59
